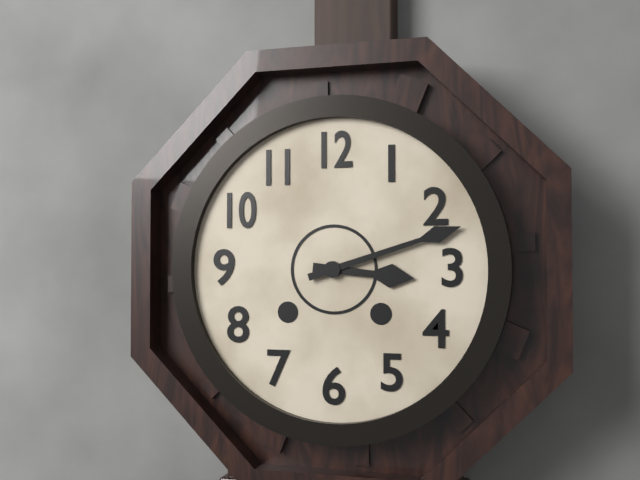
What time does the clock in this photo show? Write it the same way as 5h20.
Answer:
3h12
